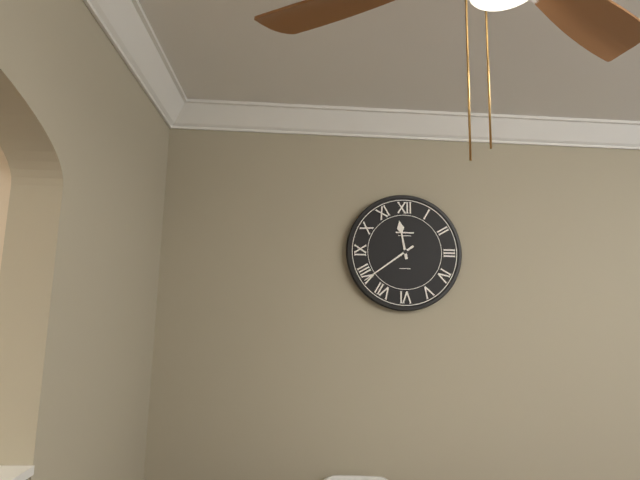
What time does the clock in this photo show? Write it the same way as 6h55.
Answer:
11h39
